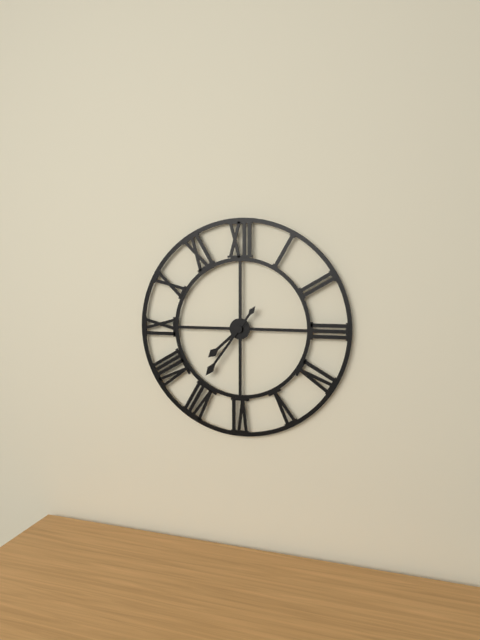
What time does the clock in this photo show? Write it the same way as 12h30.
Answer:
7h36
